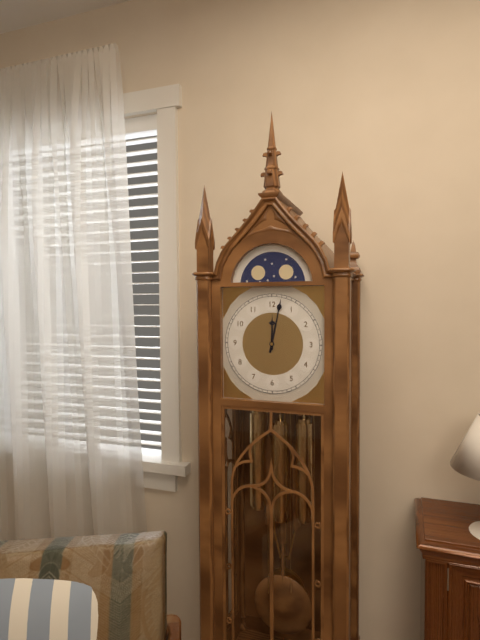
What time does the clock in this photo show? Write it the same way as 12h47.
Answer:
12h02
